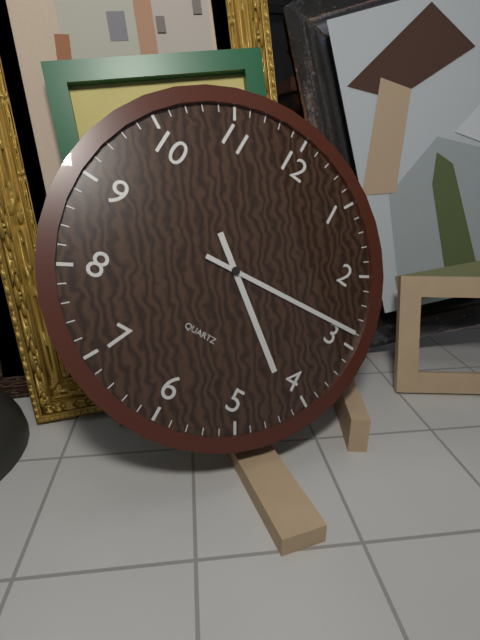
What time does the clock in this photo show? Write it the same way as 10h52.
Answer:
4h14
